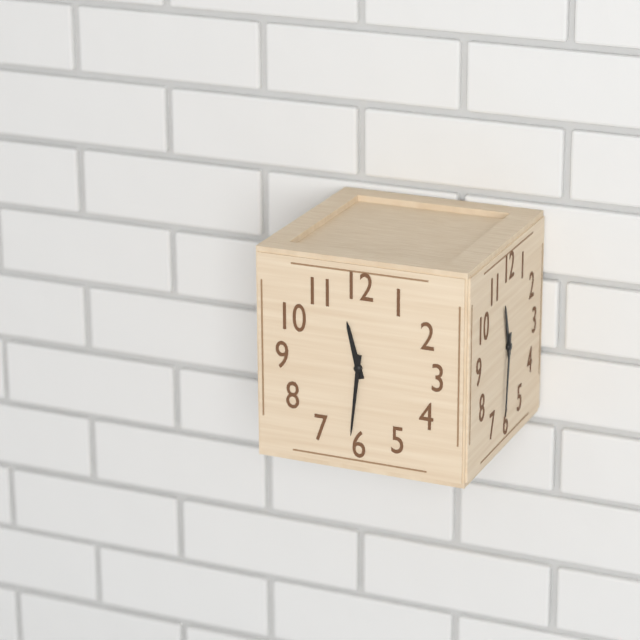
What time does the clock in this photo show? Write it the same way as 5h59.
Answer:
11h31
